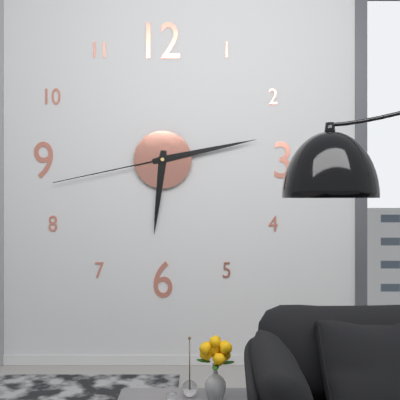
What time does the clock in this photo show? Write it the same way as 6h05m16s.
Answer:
6h13m43s
